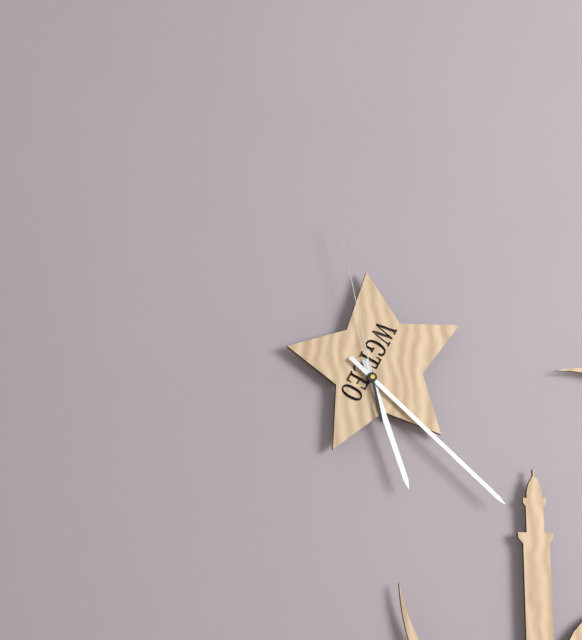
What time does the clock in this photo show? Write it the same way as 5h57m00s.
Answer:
5h22m58s
